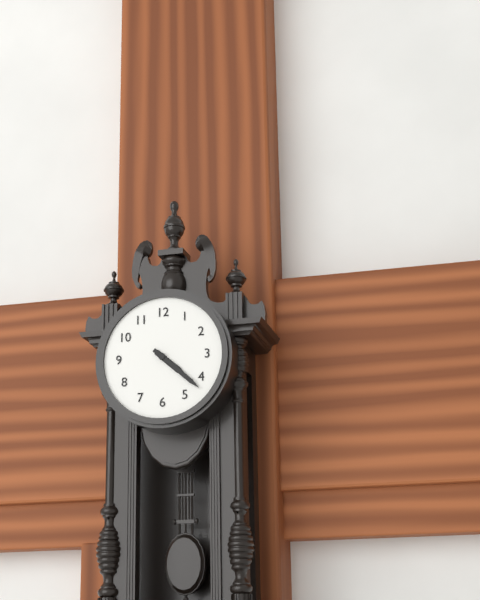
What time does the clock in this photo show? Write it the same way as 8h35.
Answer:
4h22
